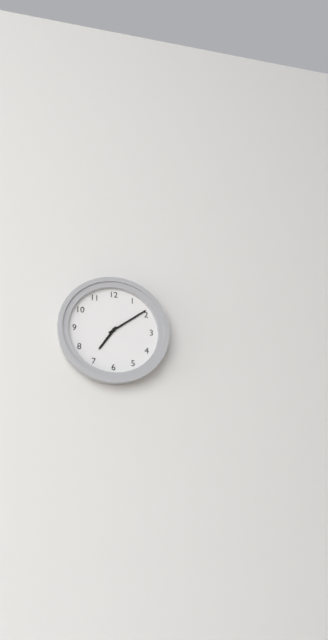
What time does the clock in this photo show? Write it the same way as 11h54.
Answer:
7h09
